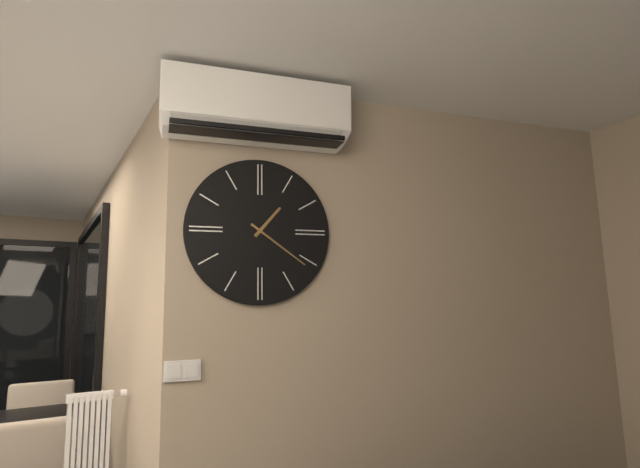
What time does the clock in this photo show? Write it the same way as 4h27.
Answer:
1h21
